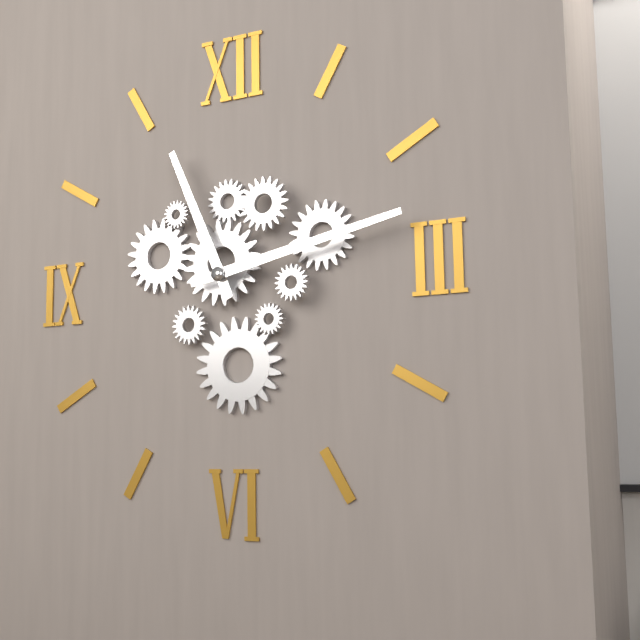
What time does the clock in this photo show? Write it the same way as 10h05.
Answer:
11h13
